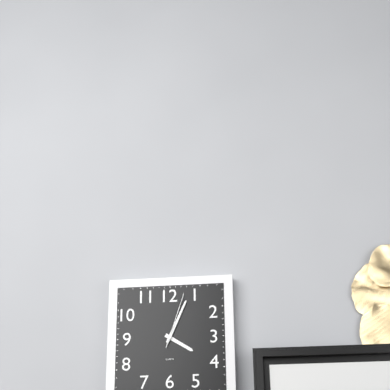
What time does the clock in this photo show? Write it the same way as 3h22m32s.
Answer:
4h04m03s
